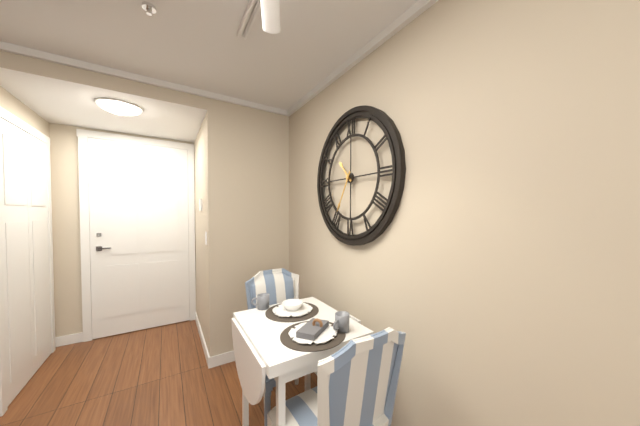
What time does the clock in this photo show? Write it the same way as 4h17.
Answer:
10h35
